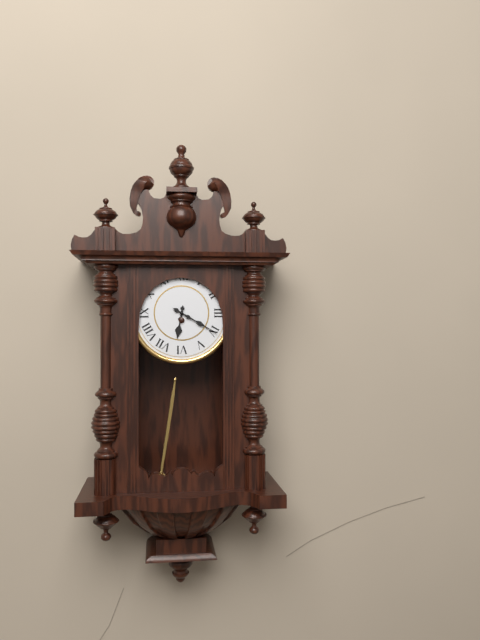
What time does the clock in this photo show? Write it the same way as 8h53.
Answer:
6h20
